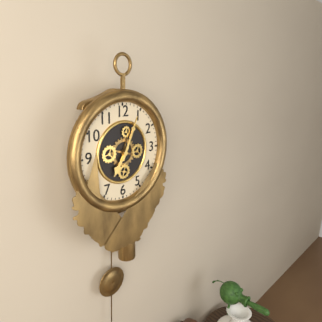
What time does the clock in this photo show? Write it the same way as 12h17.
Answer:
7h04
